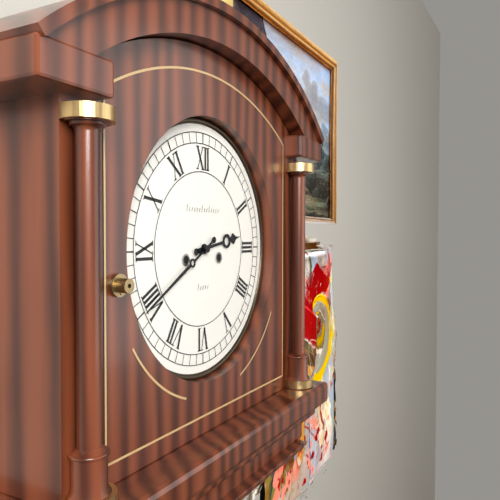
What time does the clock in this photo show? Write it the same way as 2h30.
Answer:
2h40
